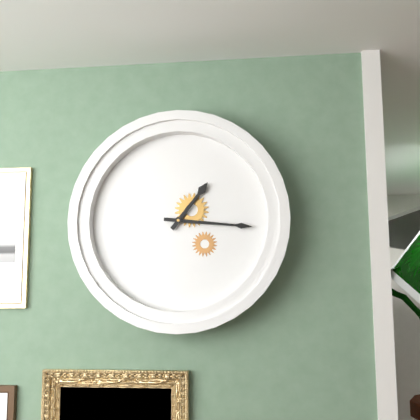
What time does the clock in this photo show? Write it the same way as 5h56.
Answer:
1h16
